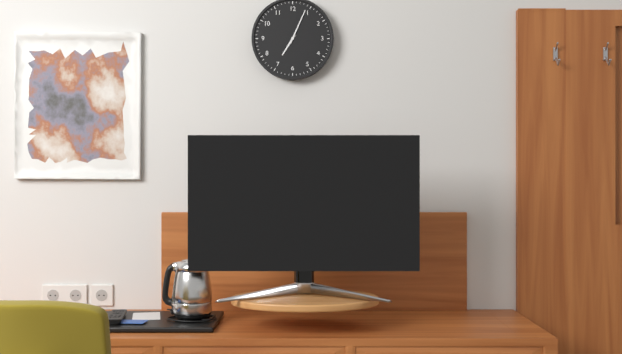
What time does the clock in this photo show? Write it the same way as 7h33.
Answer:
7h04
